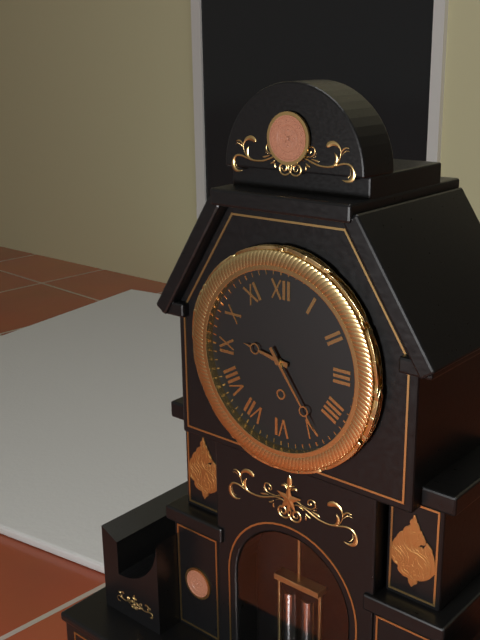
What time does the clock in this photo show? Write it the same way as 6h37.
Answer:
9h24
